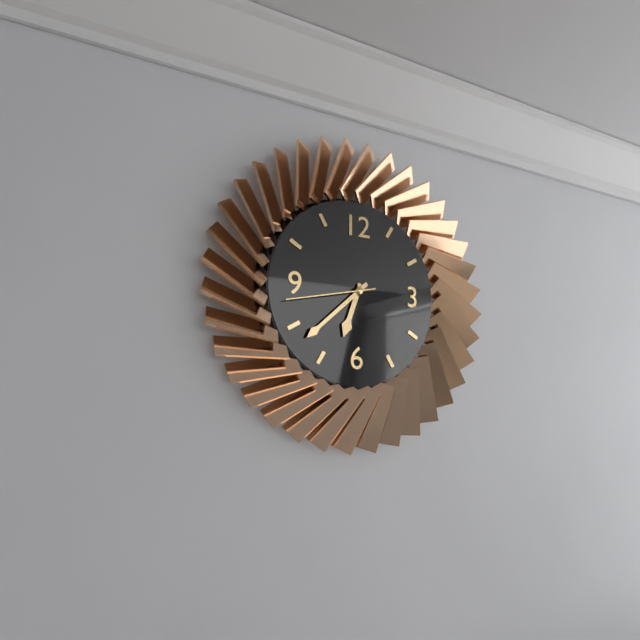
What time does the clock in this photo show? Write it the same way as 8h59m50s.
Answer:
6h38m43s
